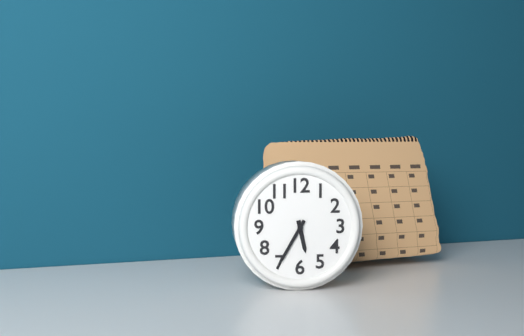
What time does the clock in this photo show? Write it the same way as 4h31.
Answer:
5h35
